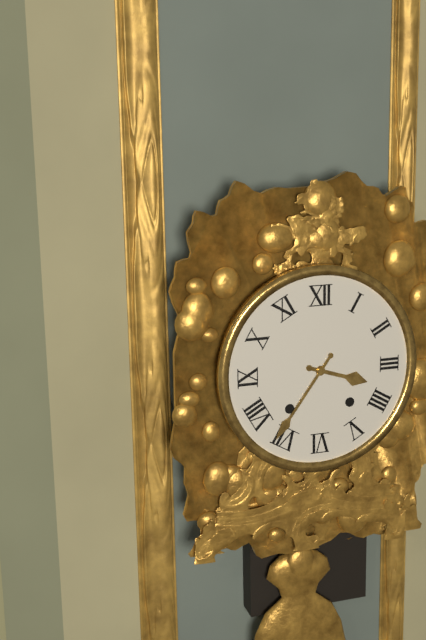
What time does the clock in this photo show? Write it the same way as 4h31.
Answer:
3h36
